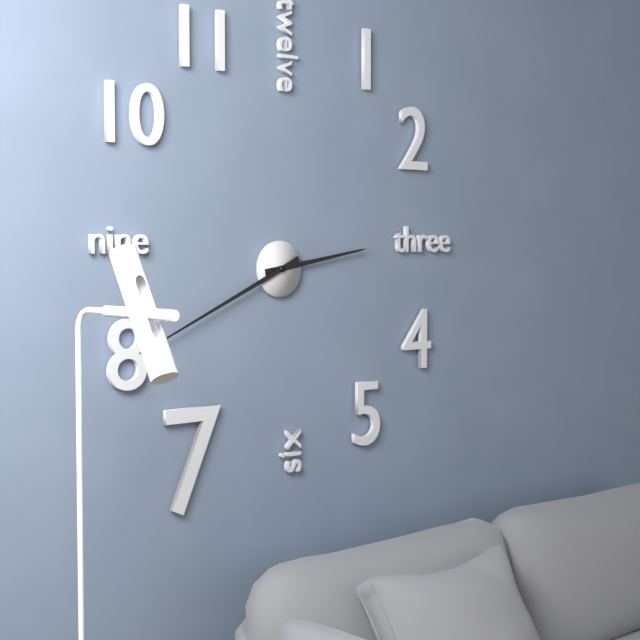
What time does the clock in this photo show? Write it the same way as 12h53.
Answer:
2h41
